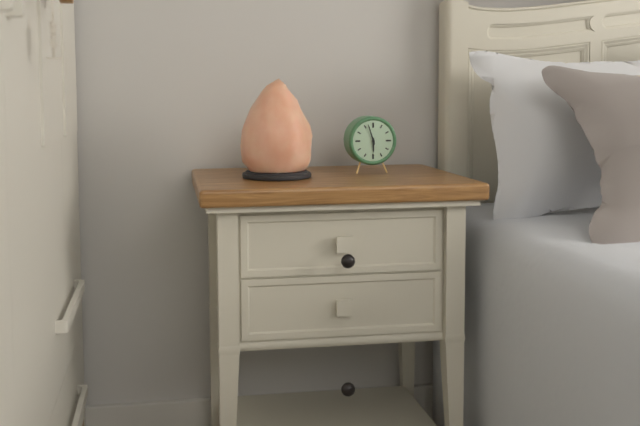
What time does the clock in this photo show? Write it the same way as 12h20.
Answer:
5h57
